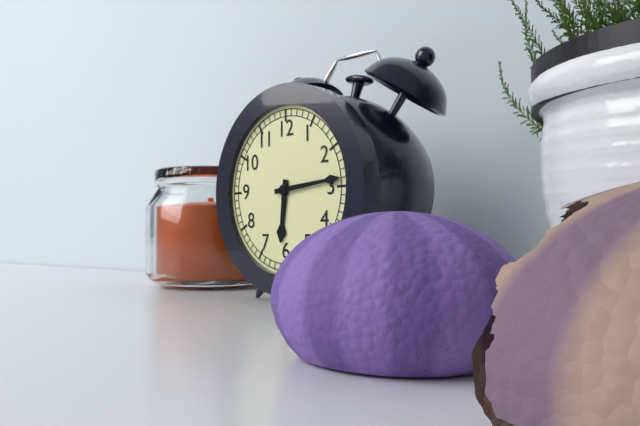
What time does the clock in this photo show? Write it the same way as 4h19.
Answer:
6h14
